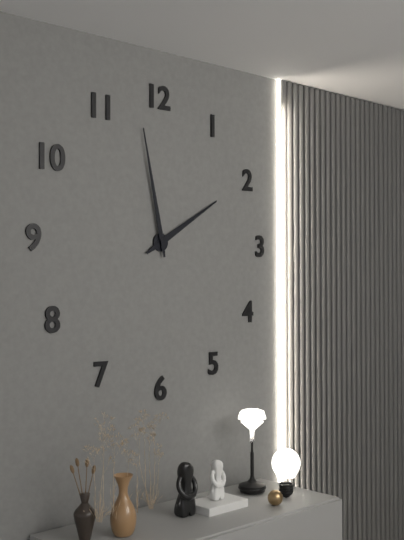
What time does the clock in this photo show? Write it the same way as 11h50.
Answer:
1h58
